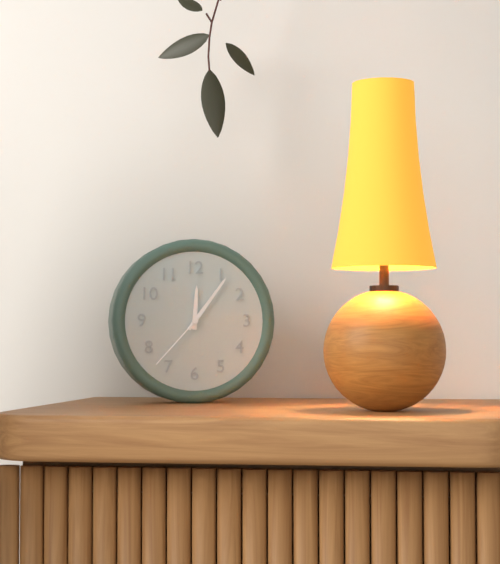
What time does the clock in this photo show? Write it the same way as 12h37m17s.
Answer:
12h06m37s
